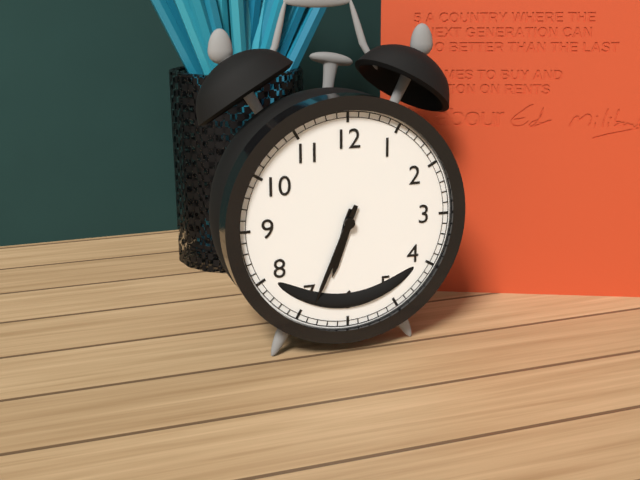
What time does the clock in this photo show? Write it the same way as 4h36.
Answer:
6h34
